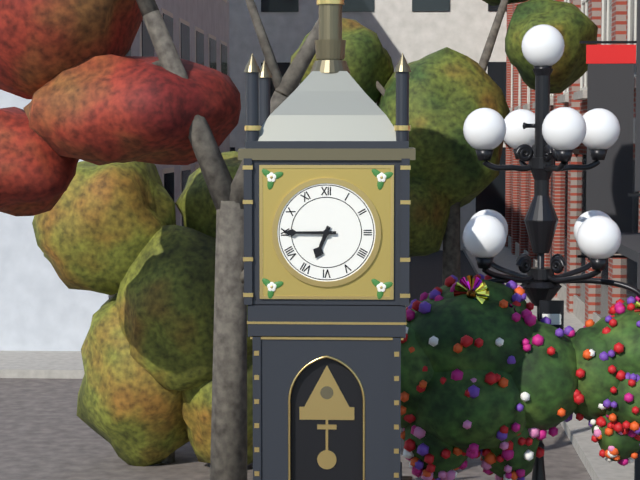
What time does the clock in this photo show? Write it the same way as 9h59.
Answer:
6h45
